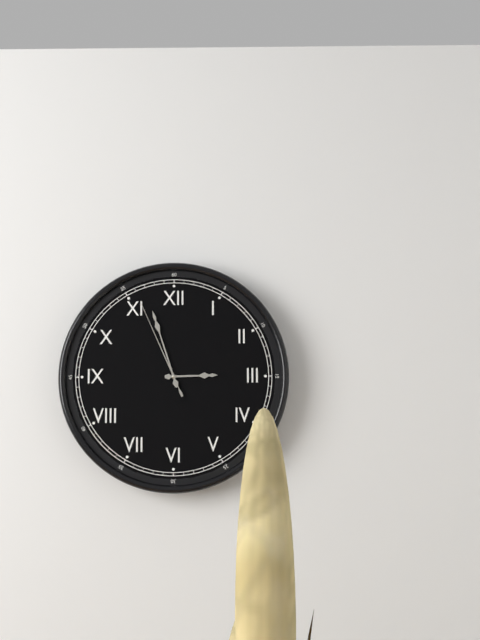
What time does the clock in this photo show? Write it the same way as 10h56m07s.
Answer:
2h57m56s
